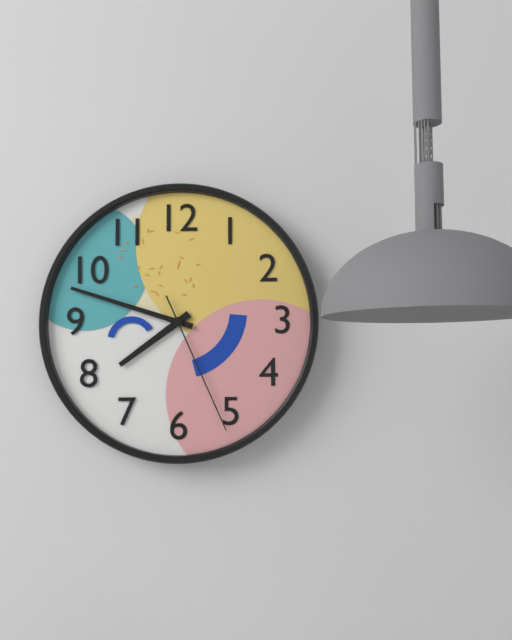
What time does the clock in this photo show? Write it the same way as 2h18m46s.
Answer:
7h48m26s
